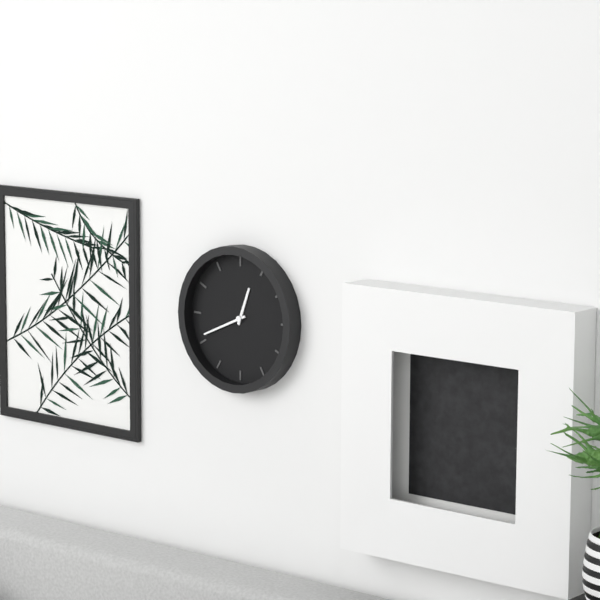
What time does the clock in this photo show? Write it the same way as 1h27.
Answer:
12h41
